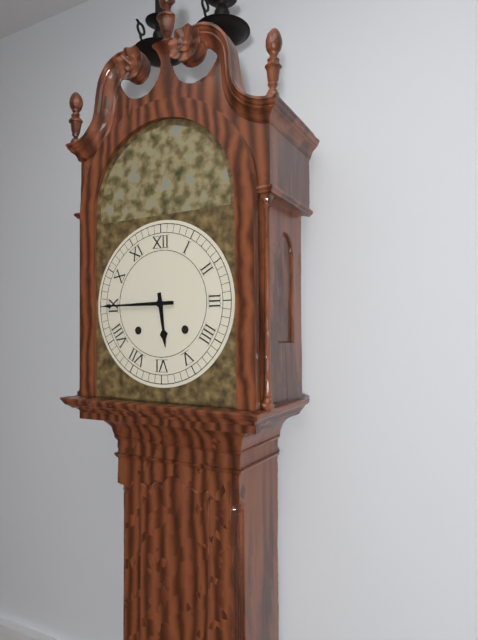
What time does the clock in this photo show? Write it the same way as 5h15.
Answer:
5h45
